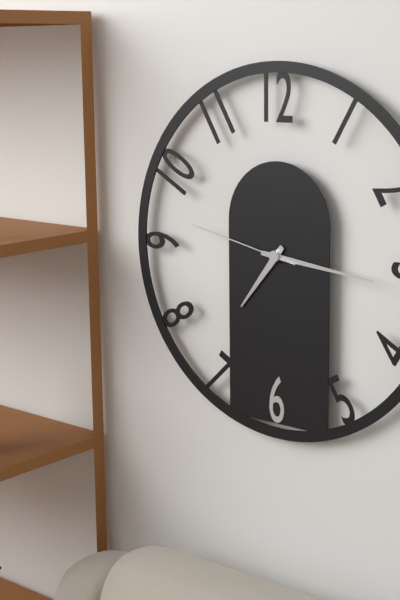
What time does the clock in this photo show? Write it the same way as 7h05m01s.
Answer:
7h16m47s
